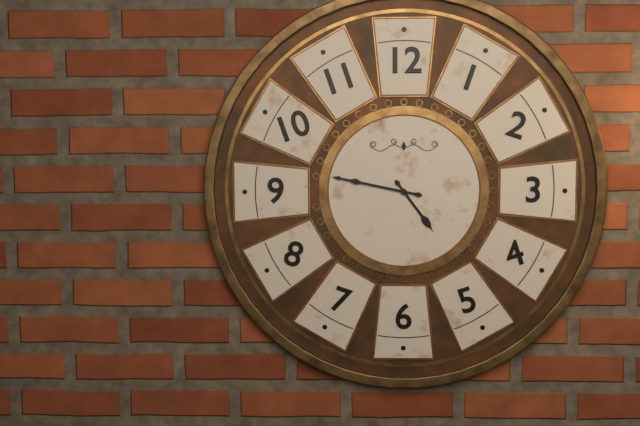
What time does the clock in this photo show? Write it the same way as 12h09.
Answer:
4h47
